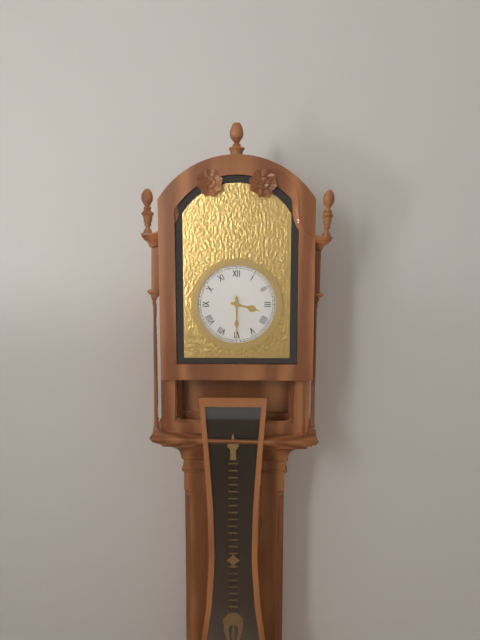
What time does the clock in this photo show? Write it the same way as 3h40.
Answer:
3h30
